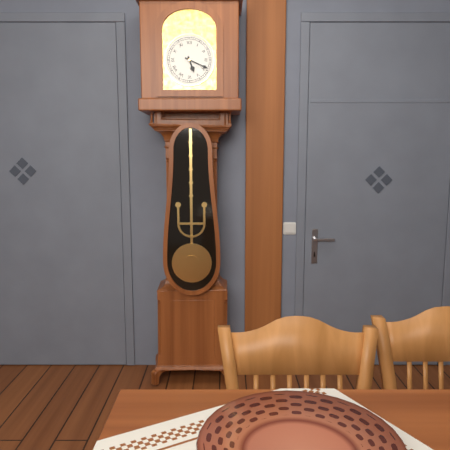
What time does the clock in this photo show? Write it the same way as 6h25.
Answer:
5h19
